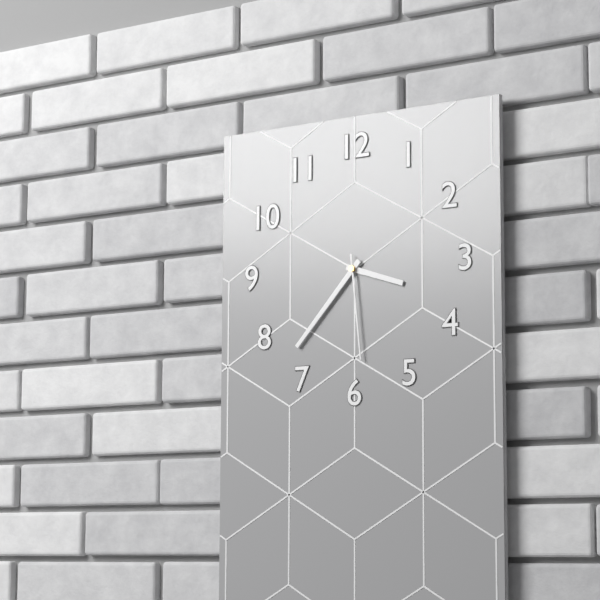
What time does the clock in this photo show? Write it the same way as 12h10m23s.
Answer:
3h37m29s
